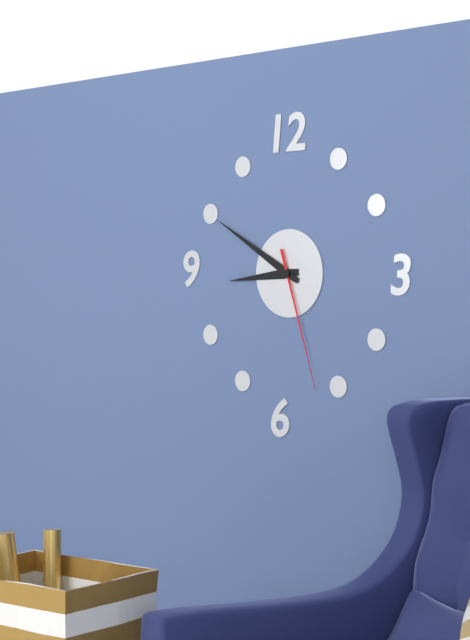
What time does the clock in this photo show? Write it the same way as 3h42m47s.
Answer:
8h50m27s
